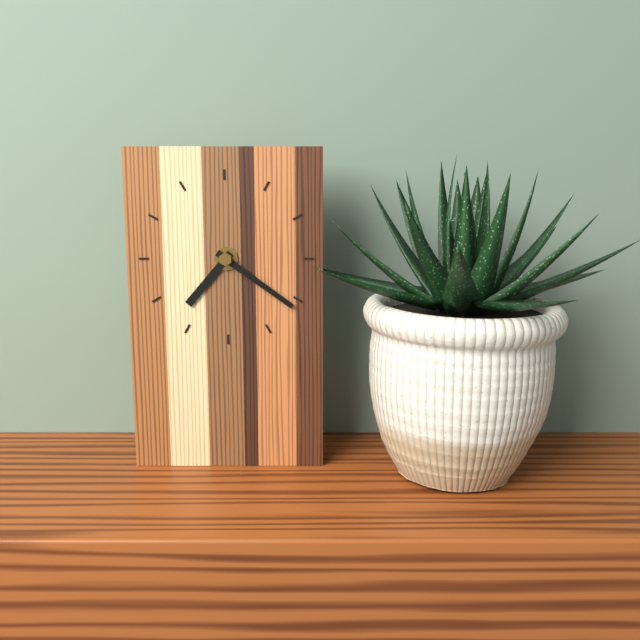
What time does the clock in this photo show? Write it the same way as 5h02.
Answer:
7h21
